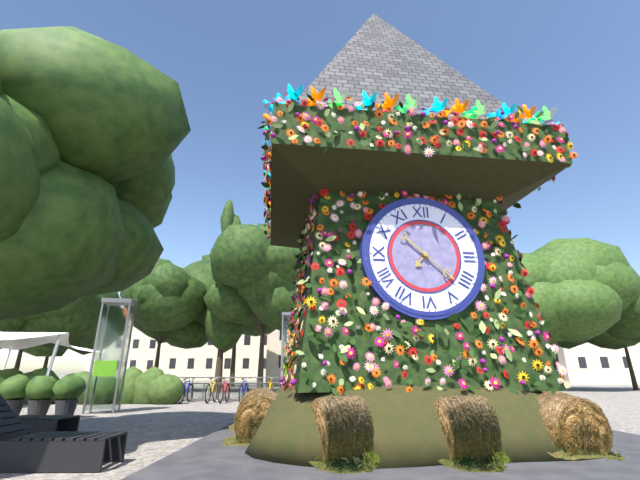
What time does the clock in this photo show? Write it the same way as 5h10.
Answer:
7h22
